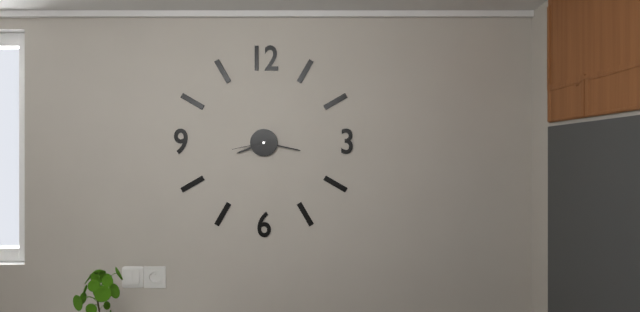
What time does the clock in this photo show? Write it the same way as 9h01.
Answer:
8h17
